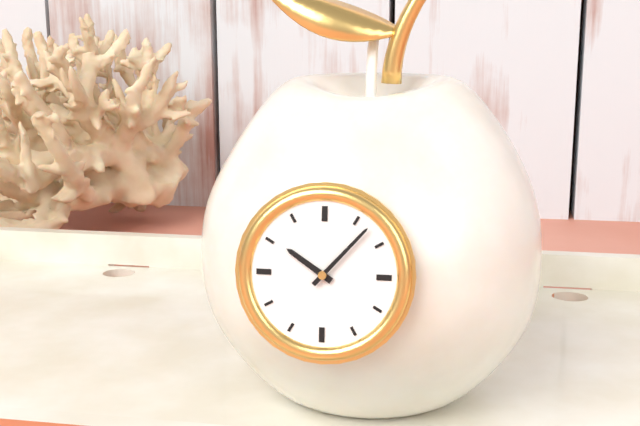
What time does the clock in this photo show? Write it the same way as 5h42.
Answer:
10h07
